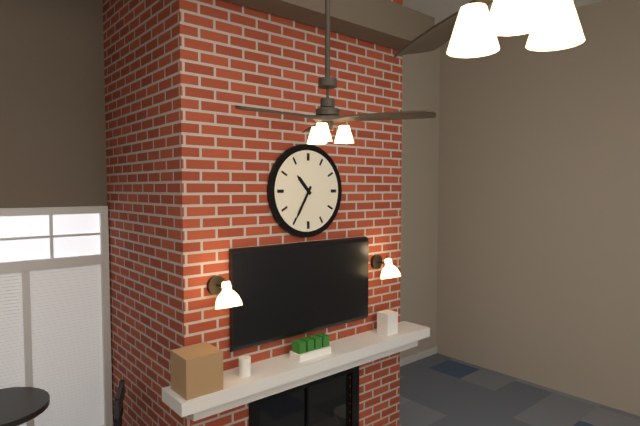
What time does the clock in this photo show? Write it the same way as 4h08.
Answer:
10h35
